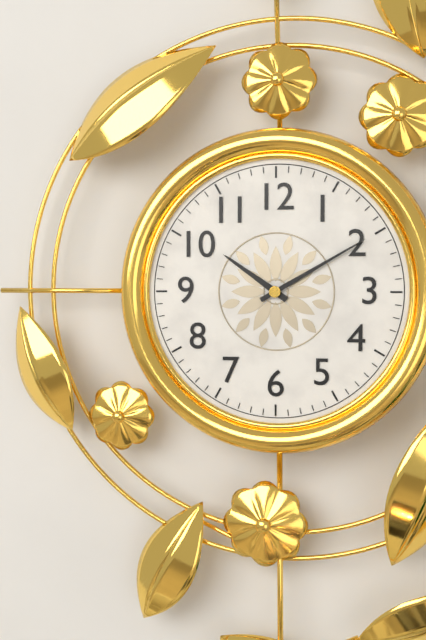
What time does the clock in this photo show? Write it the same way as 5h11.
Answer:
10h10
